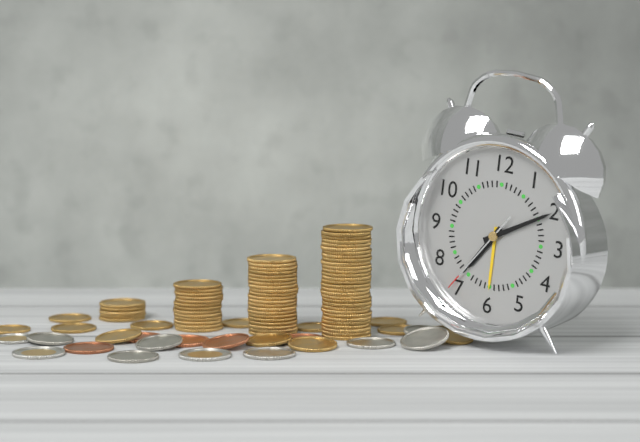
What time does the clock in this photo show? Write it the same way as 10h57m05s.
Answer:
7h10m36s
